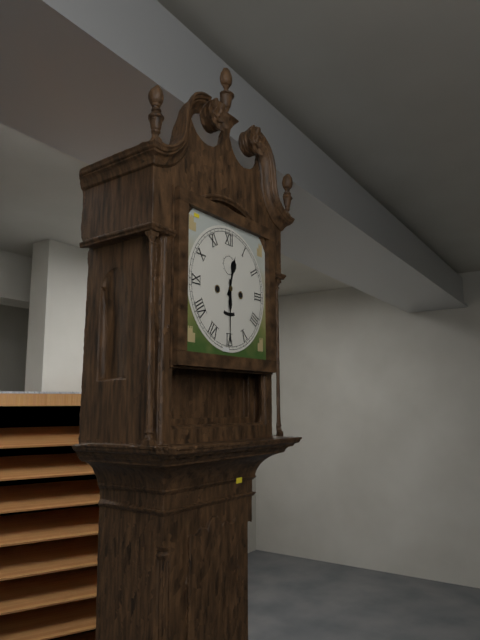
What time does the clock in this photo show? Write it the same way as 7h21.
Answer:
12h30
